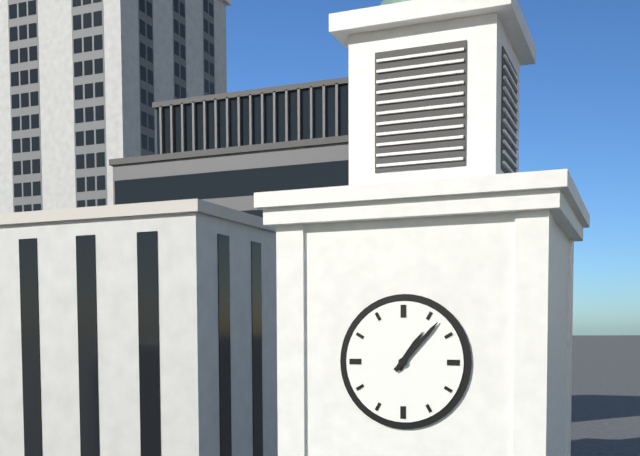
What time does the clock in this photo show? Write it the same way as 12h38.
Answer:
1h07
